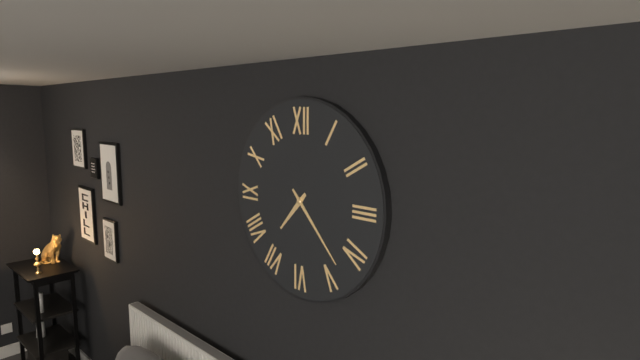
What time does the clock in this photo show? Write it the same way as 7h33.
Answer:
7h23
